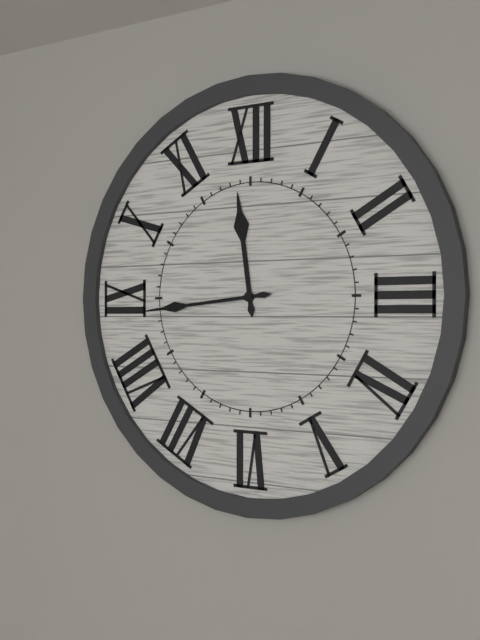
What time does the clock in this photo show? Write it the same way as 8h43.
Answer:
11h44
